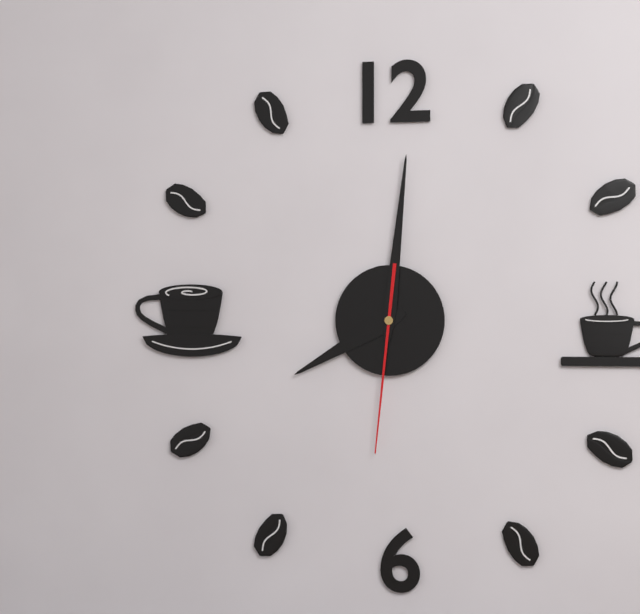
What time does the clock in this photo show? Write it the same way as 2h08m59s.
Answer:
8h01m31s
